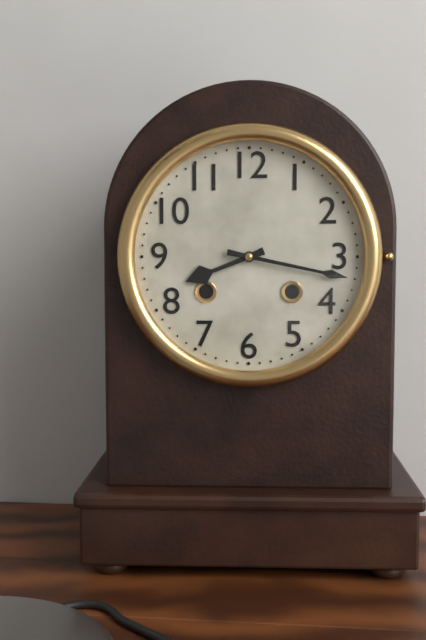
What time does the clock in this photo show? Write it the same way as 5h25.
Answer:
8h17
